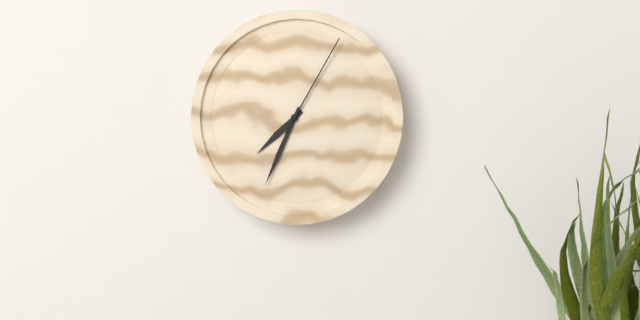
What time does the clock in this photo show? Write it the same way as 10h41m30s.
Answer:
7h34m05s
